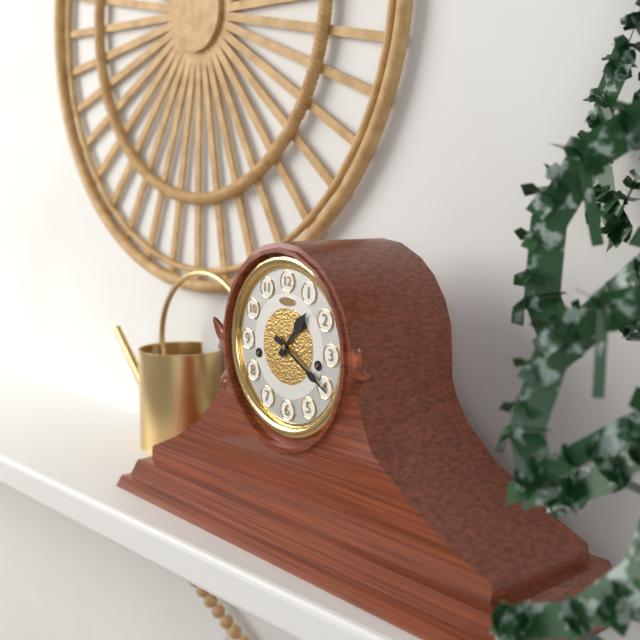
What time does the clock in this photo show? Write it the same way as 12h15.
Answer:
1h20
